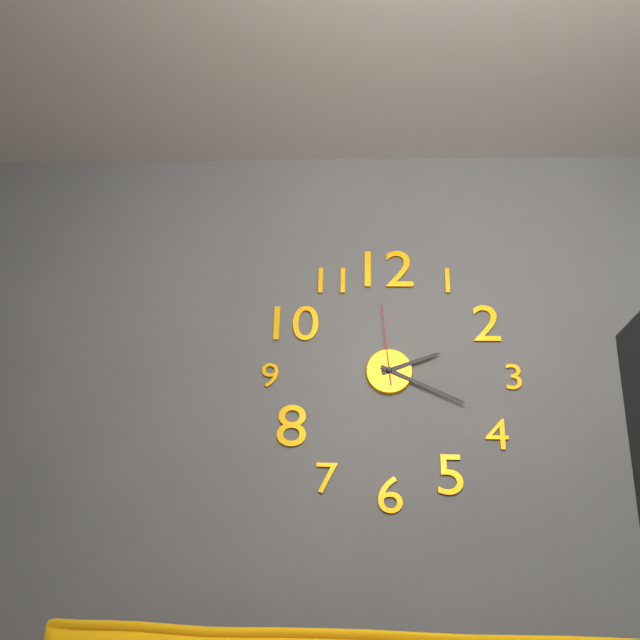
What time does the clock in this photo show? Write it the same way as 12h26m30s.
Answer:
2h19m59s
